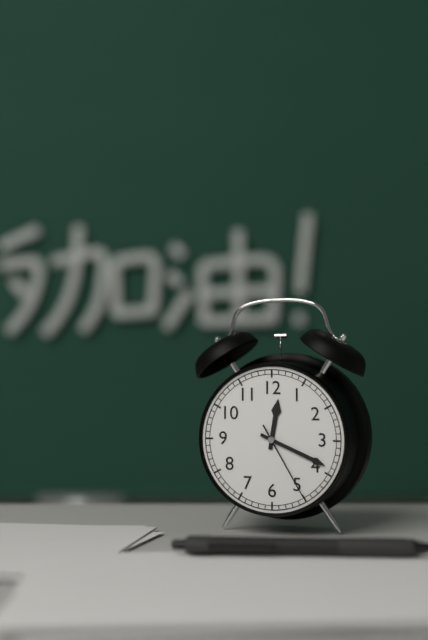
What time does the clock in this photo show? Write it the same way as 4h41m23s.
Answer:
12h19m25s
